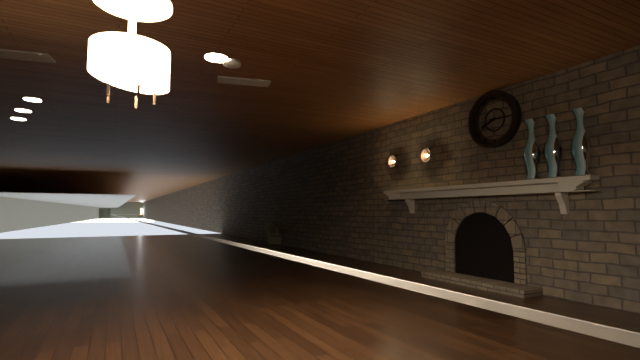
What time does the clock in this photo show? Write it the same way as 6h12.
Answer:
8h15
